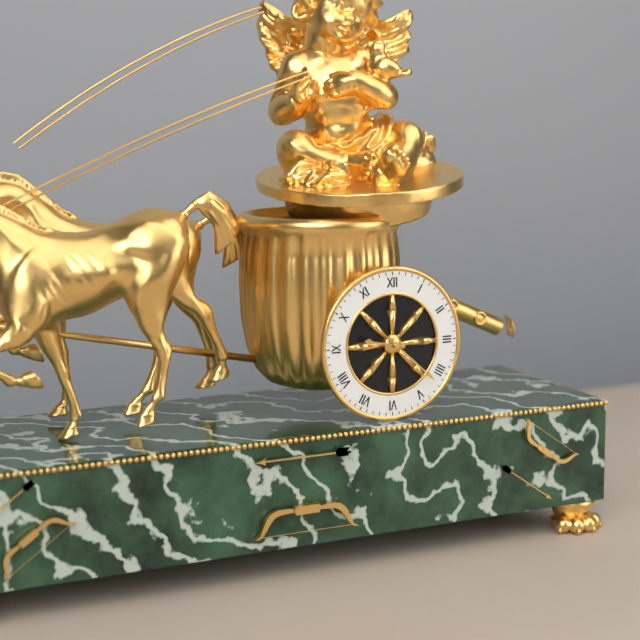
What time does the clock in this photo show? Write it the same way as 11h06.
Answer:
9h22
